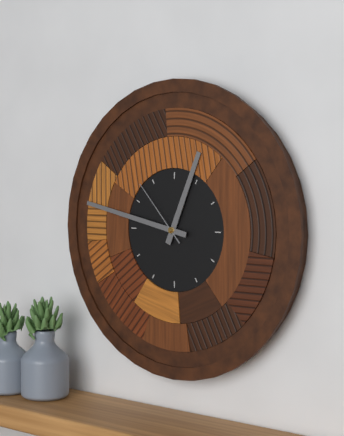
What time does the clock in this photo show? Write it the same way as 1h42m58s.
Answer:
12h47m53s
